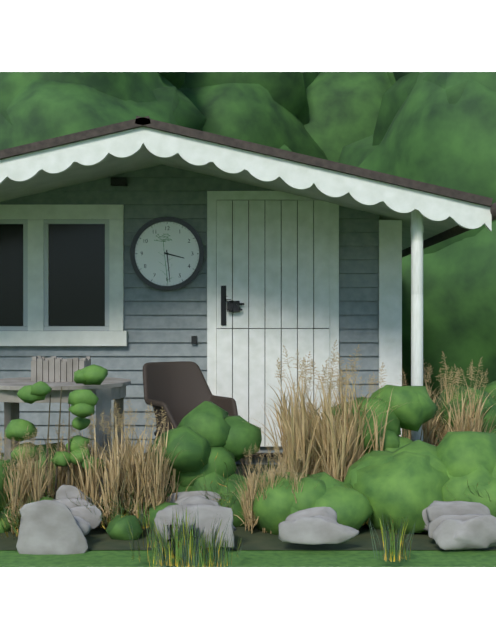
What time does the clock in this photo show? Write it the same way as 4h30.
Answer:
3h29
